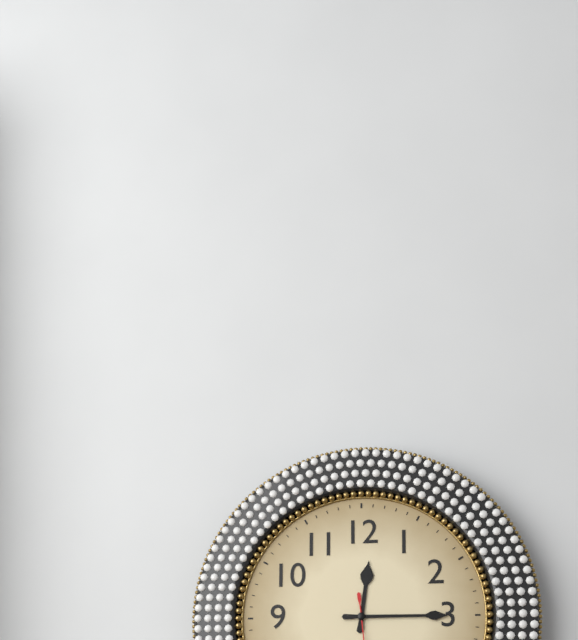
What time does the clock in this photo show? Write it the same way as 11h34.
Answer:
12h15
